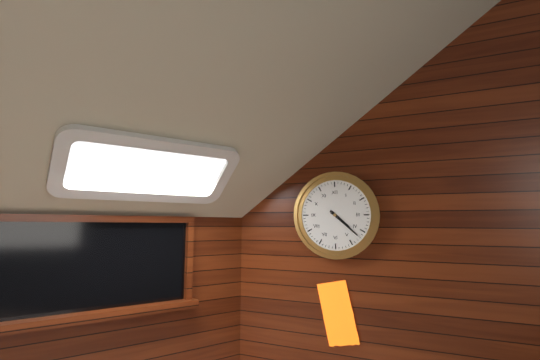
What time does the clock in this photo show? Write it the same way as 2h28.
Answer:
4h22
